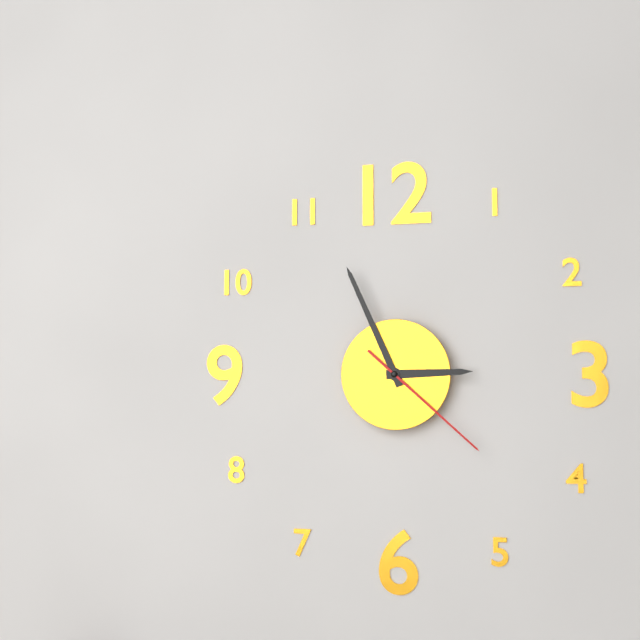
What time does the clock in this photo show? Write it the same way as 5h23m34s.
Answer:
2h56m22s
